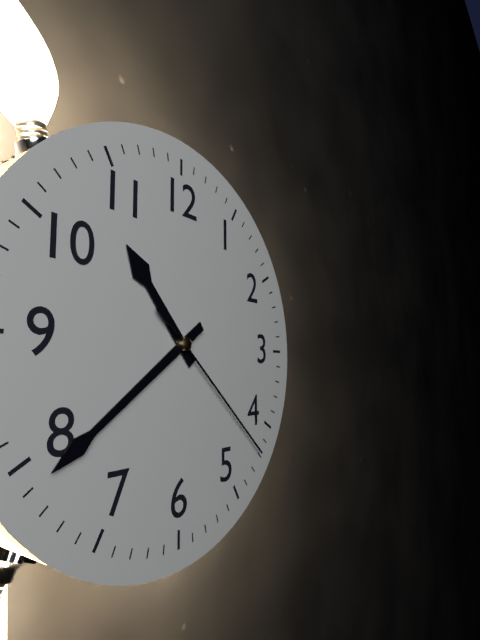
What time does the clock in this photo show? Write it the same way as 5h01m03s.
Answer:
10h39m22s
